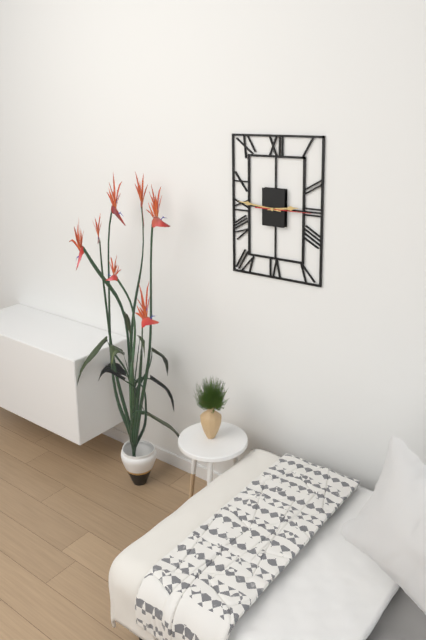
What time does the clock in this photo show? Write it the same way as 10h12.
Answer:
2h46
